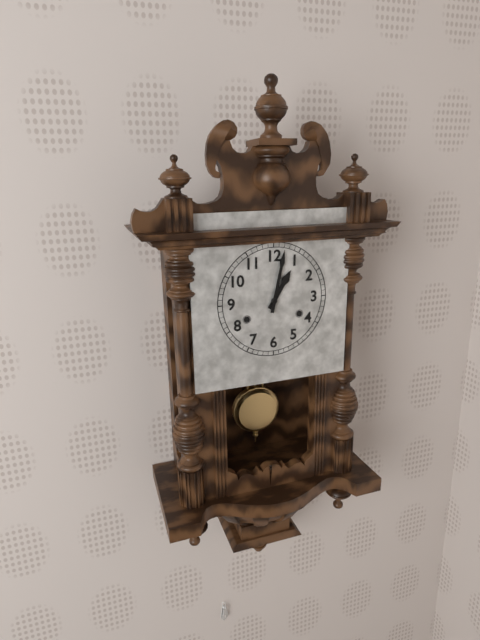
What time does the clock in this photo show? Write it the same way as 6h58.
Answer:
1h02
